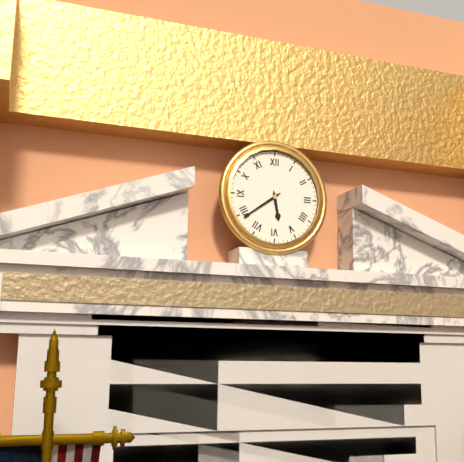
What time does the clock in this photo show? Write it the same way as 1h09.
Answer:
5h39
